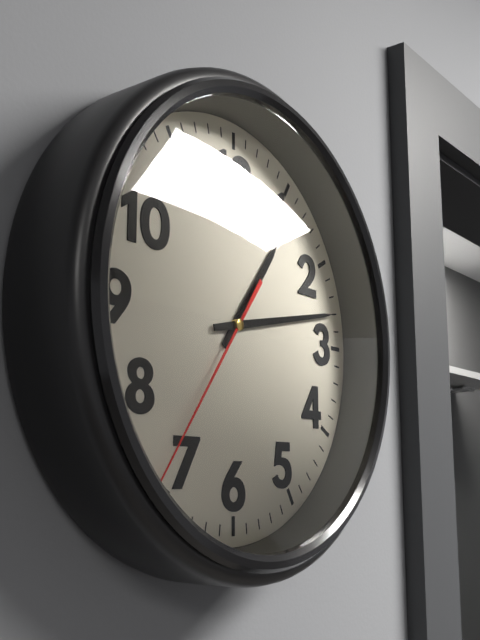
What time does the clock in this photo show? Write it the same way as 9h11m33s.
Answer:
1h13m36s
